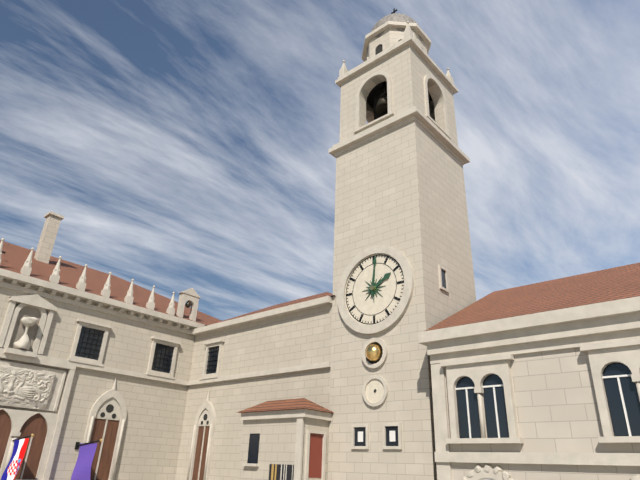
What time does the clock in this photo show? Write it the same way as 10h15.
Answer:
2h01
